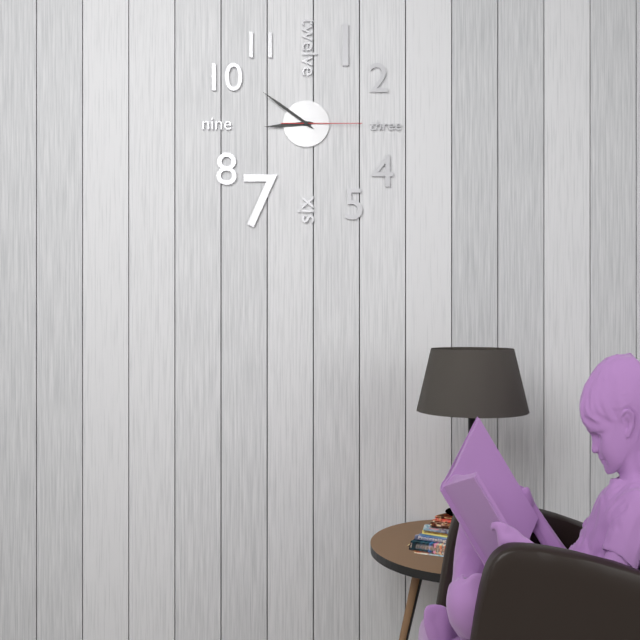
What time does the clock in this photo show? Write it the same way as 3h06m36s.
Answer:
8h51m15s
